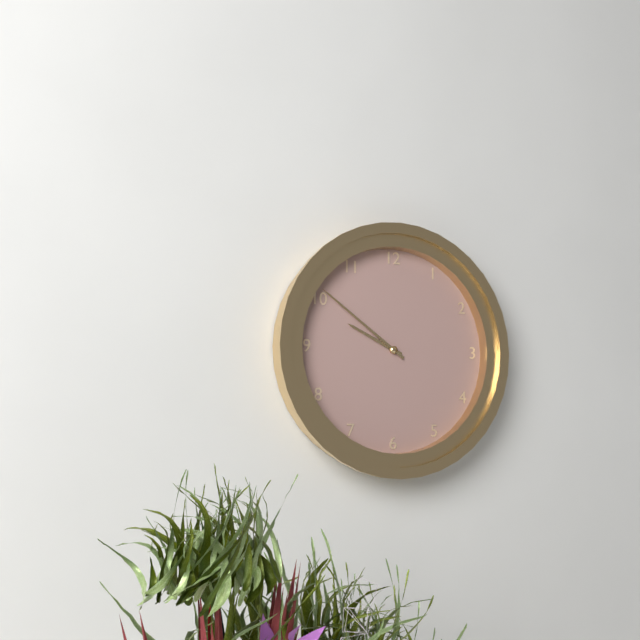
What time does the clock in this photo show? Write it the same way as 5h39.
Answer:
9h51
